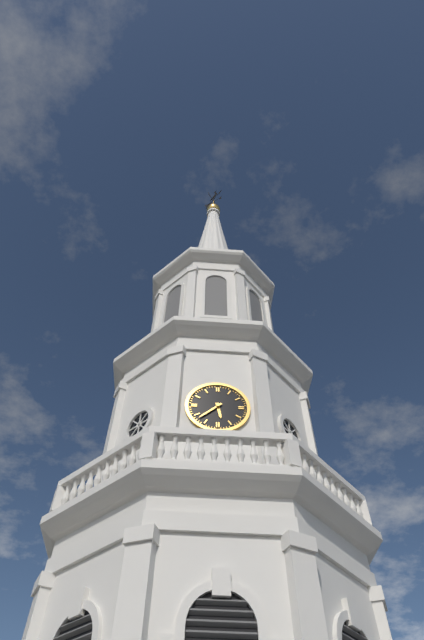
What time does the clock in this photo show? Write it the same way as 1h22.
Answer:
5h38
